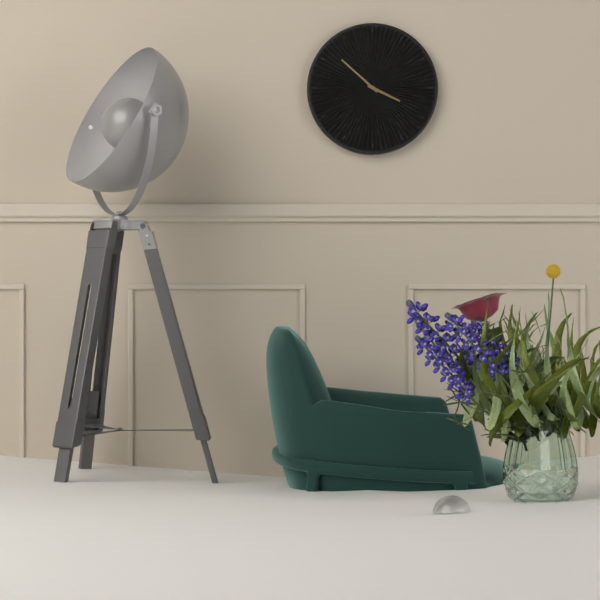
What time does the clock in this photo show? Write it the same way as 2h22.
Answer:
3h52
